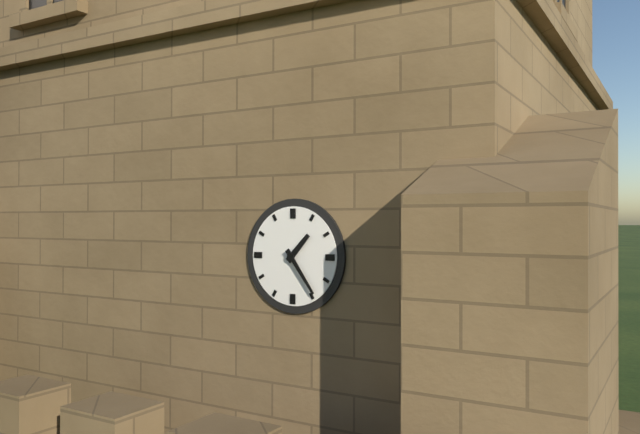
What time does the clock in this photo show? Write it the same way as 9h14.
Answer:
1h24
